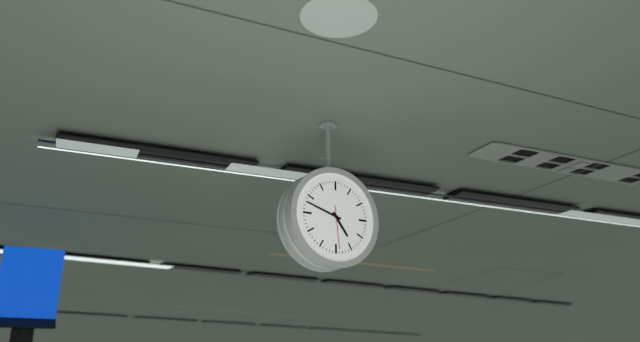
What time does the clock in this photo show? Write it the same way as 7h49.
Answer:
4h48
